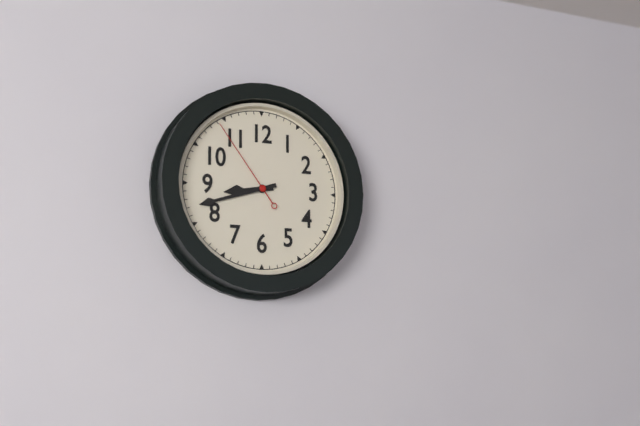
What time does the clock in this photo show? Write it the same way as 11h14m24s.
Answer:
8h42m54s
